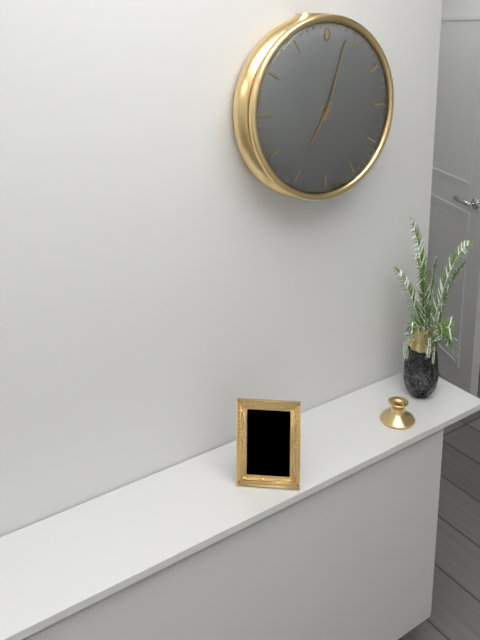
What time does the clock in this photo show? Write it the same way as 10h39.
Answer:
7h03
